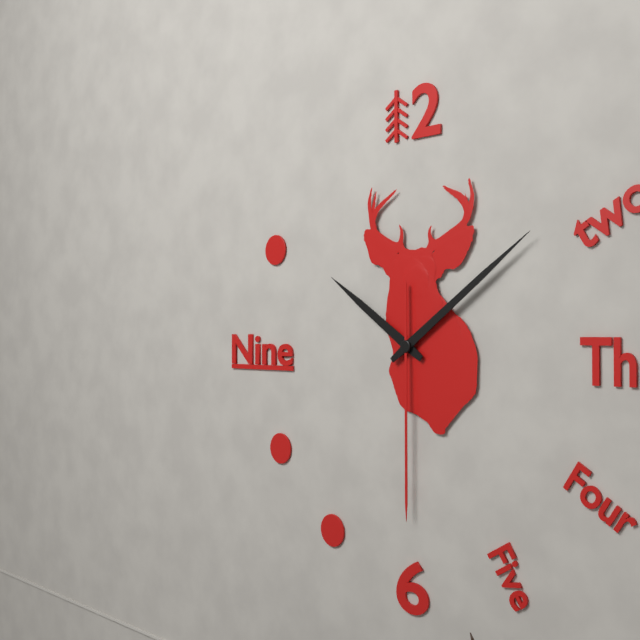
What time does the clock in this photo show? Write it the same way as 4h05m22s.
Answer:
10h09m30s
